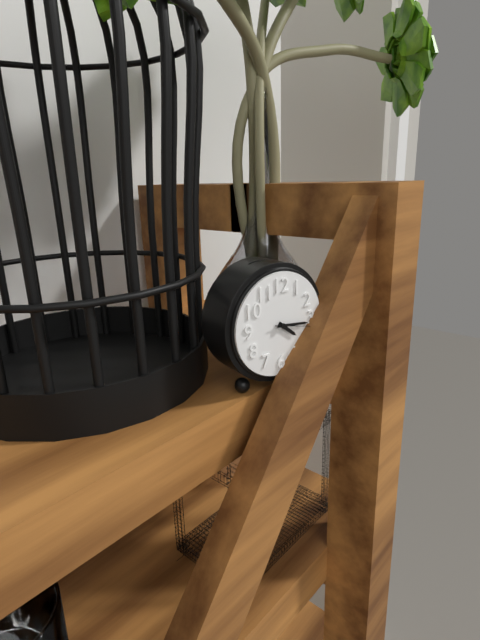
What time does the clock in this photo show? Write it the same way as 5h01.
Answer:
4h16
